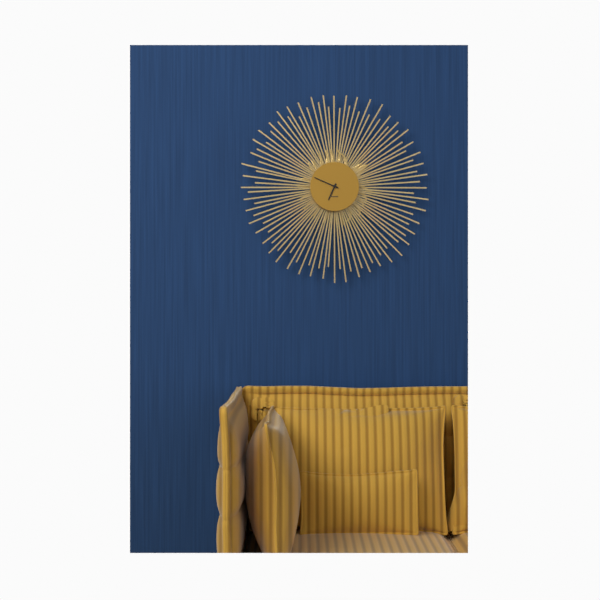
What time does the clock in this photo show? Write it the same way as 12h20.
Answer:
6h49
